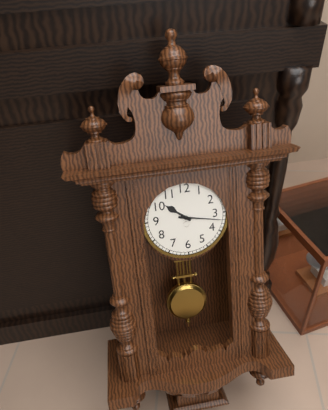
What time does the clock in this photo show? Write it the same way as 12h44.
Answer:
10h17
